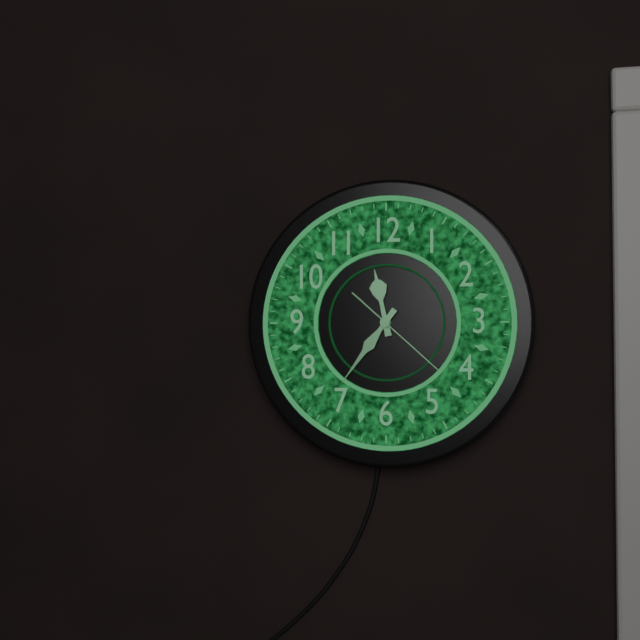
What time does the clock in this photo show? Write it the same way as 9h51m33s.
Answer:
11h36m22s
